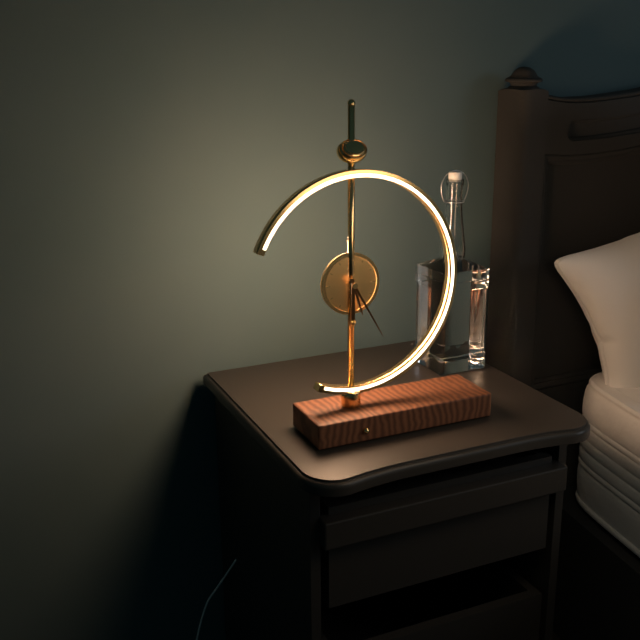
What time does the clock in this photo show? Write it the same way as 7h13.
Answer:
5h25
